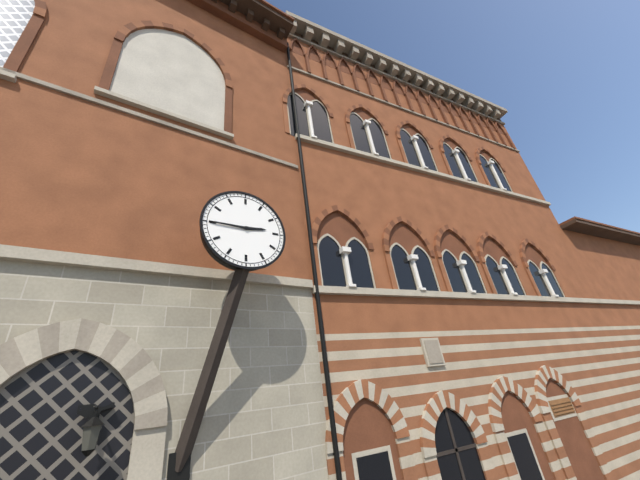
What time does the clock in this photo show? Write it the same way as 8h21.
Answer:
2h45
